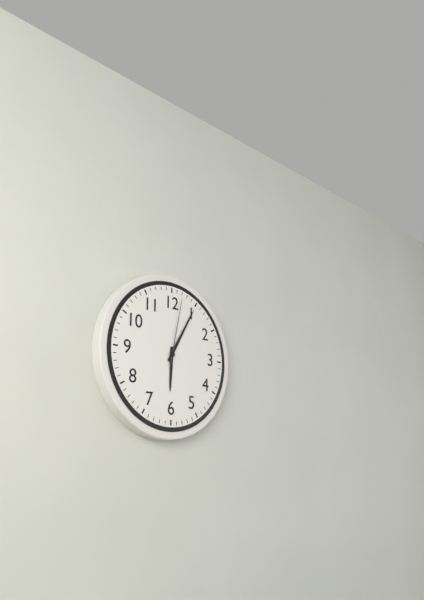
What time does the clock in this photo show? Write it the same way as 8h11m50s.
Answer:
6h05m02s
